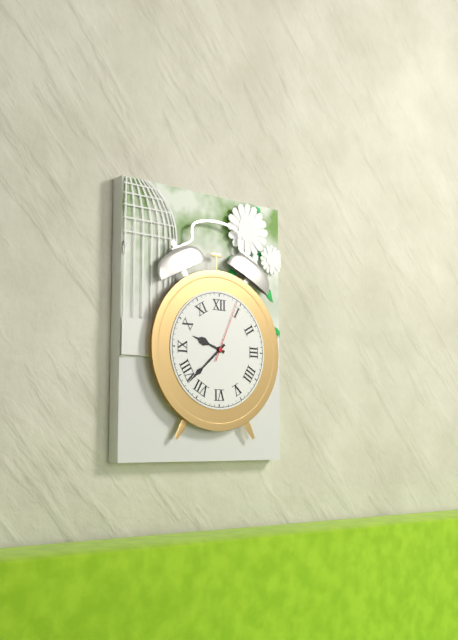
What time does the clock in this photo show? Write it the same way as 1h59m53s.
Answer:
9h38m04s
